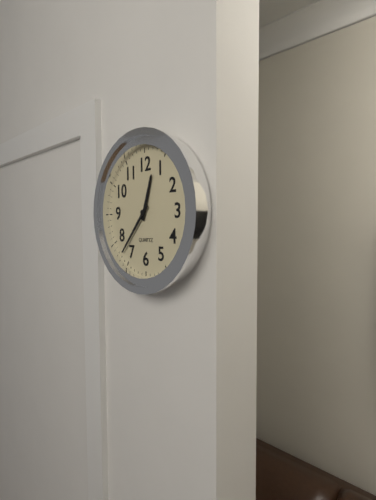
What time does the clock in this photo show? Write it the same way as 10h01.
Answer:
12h37
